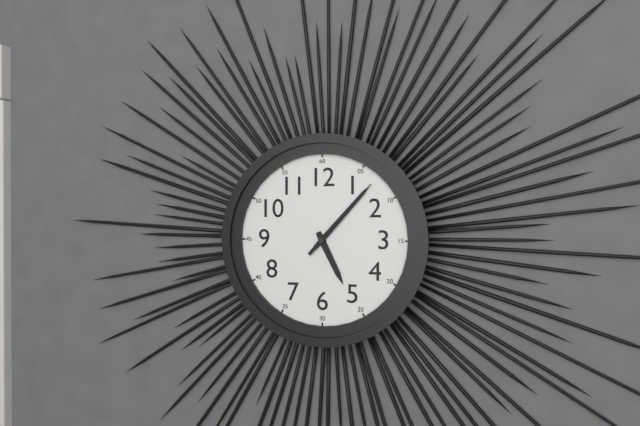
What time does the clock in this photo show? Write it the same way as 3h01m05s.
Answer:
5h07m07s
